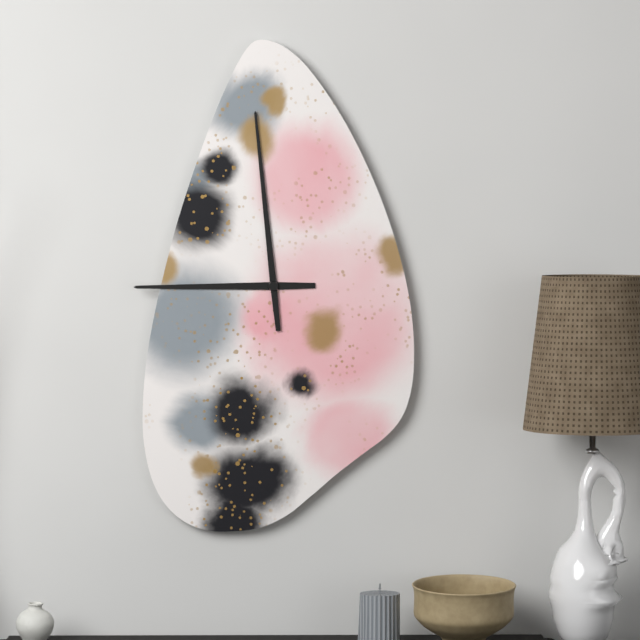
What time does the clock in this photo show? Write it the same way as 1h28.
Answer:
8h59
